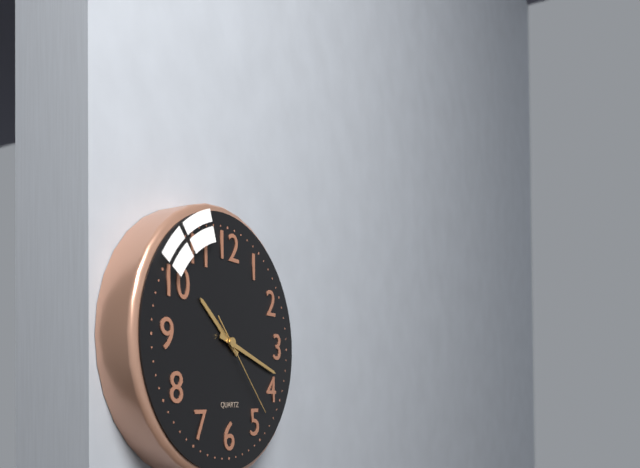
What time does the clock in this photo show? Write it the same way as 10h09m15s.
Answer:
10h18m23s
